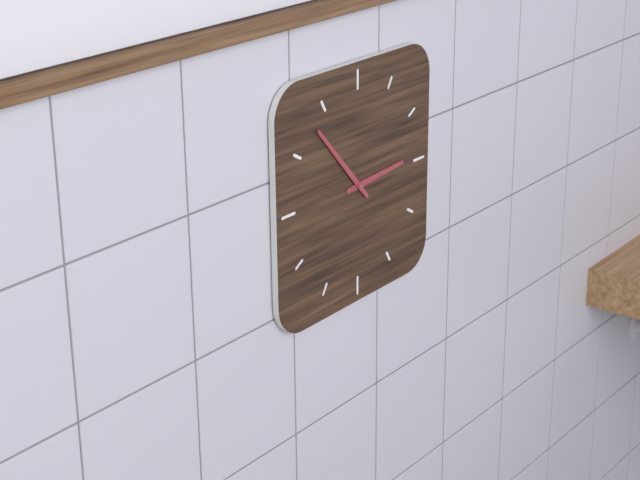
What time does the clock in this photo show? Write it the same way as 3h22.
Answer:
2h53
